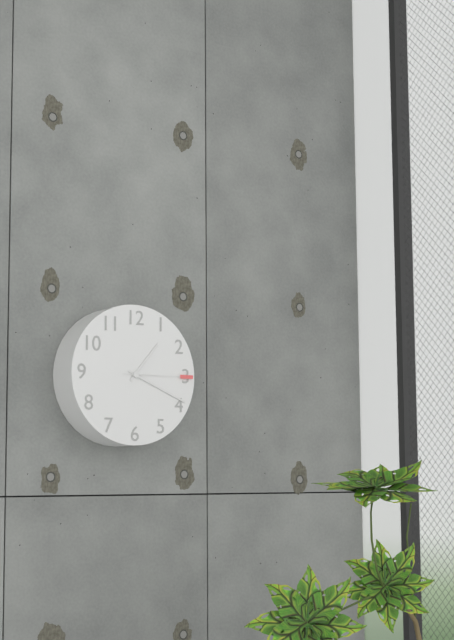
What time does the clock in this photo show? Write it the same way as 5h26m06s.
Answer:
1h19m15s
